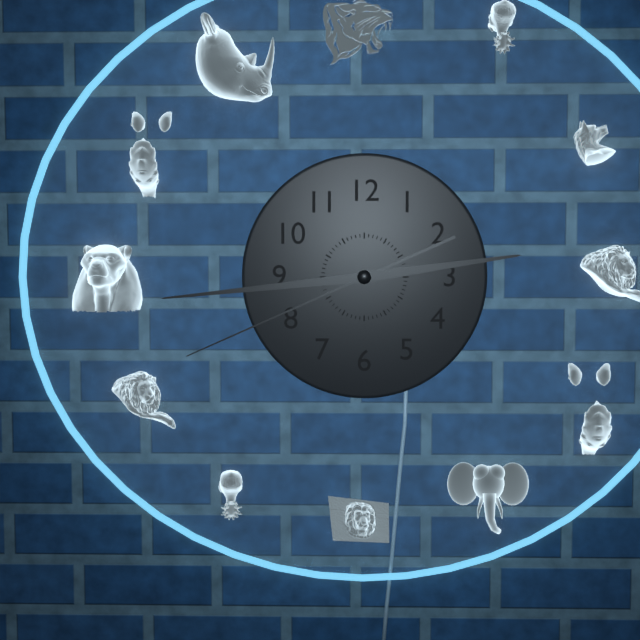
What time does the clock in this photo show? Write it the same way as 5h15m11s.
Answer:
2h44m41s
